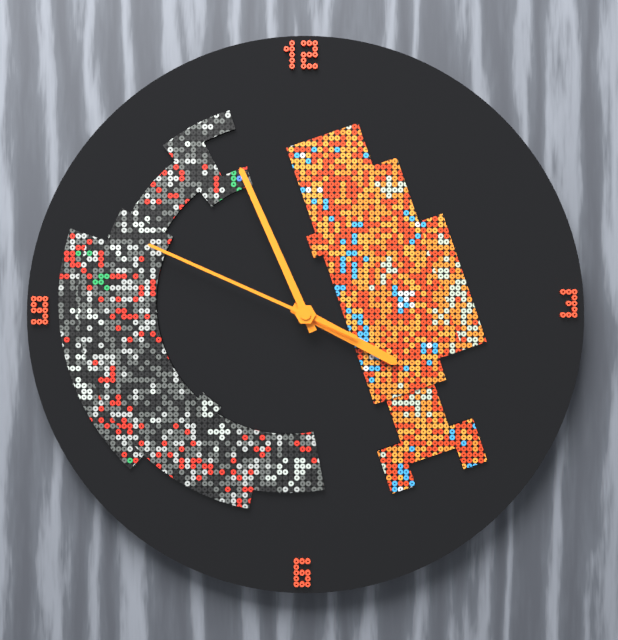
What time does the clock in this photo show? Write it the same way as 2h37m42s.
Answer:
3h56m49s
